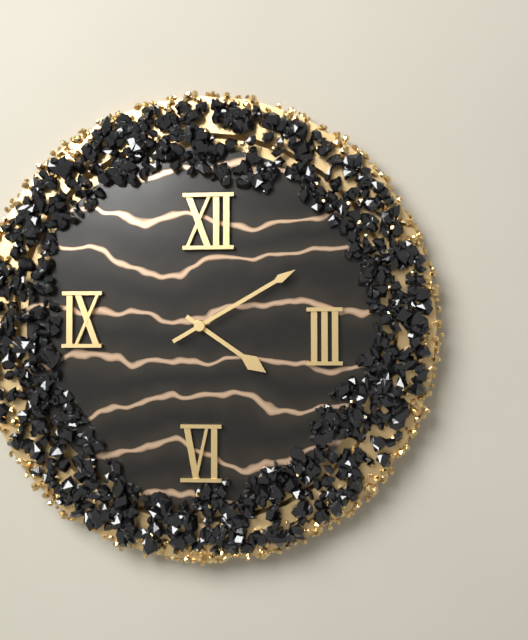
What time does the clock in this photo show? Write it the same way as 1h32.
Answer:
4h10
